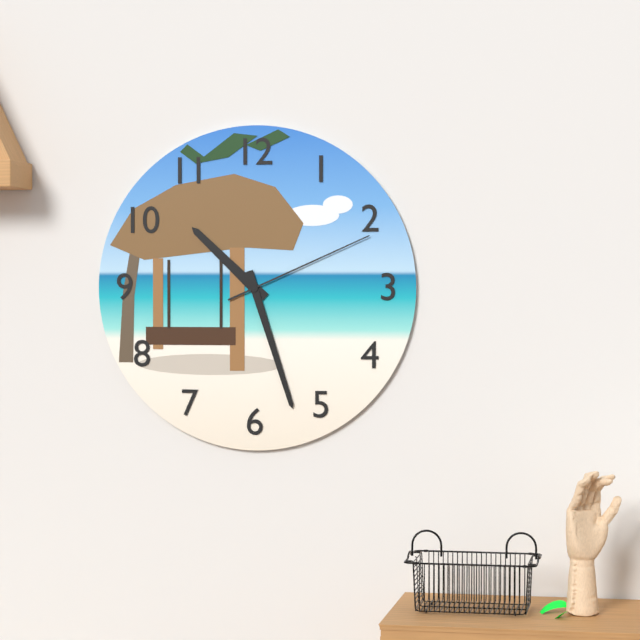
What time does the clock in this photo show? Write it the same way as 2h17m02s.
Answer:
10h27m11s
